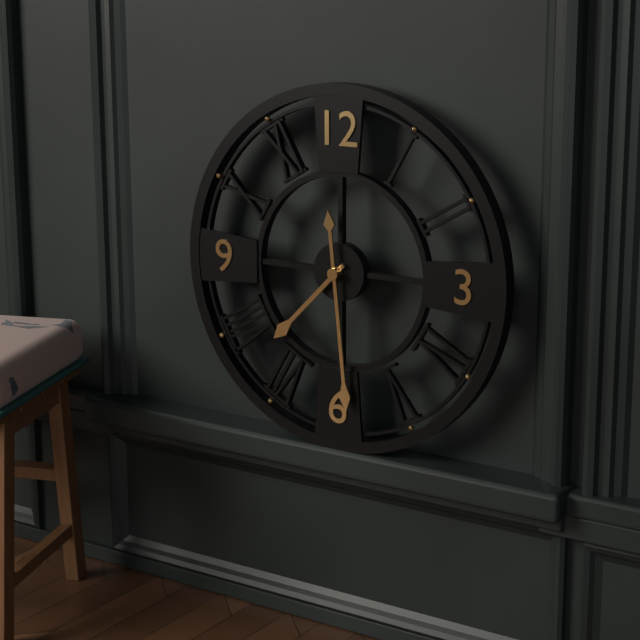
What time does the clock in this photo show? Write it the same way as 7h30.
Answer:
7h29
